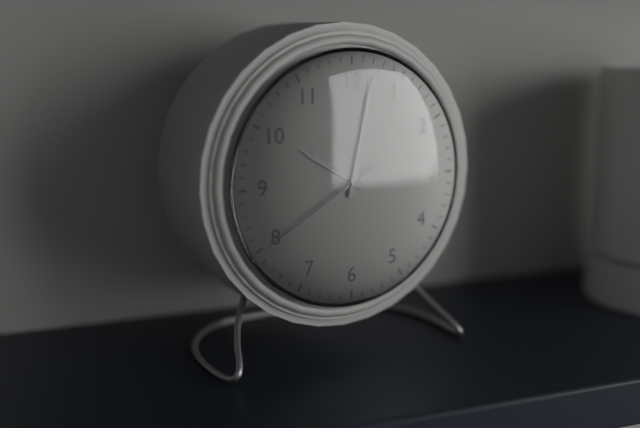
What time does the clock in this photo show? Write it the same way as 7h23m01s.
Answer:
10h02m40s
